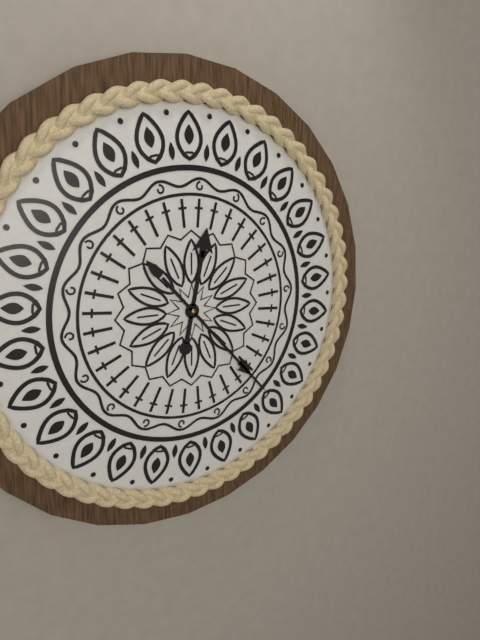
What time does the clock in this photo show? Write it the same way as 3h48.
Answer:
12h23
